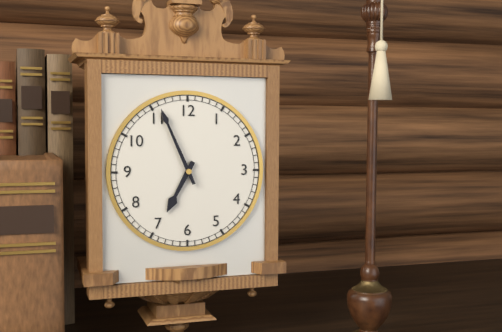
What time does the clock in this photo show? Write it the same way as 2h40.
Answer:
6h56
